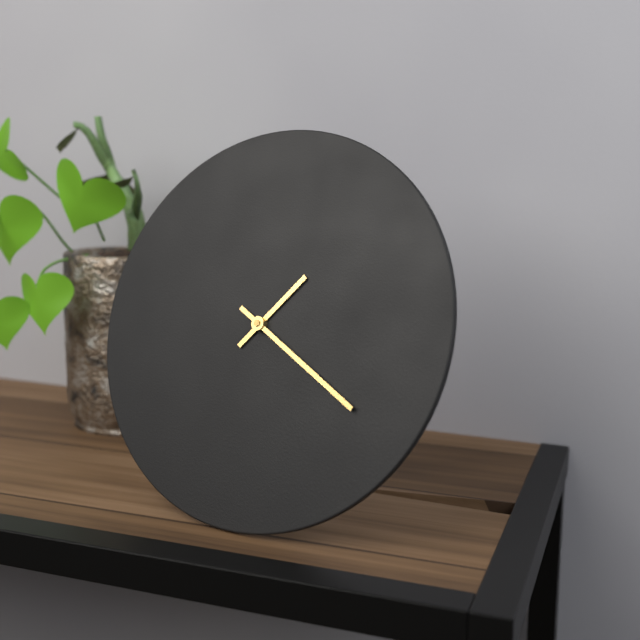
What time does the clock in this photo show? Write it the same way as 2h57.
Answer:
1h20
